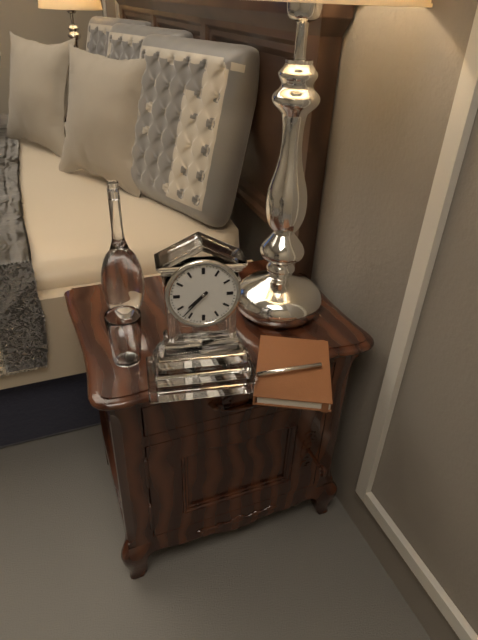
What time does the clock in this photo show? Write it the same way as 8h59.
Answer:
7h37
